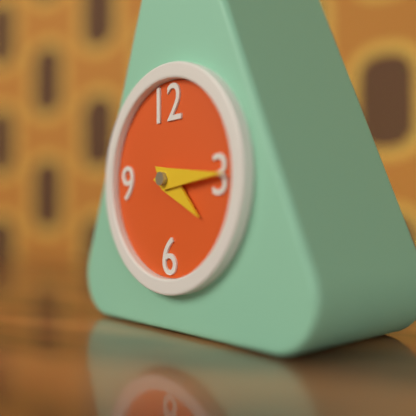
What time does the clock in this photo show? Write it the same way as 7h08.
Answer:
4h15
